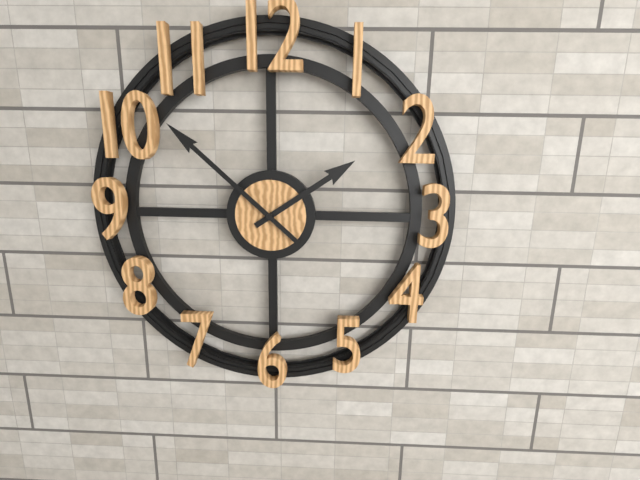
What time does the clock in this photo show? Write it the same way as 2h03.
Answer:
1h52
